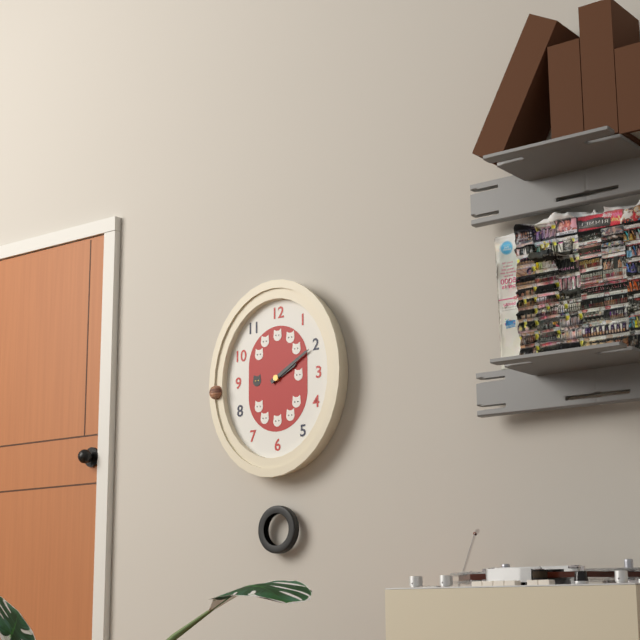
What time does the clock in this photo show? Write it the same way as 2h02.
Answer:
2h10
